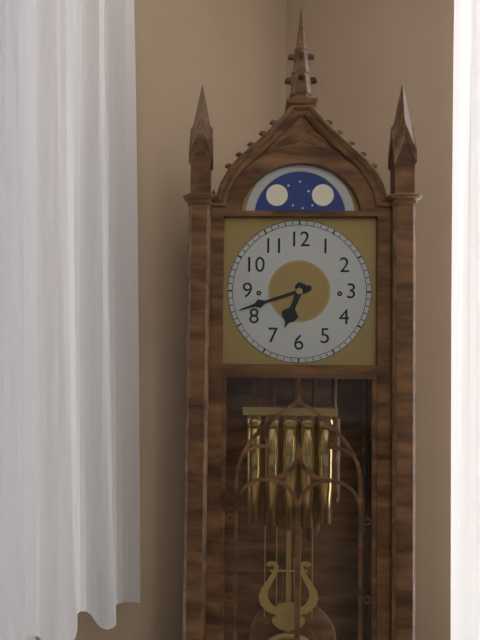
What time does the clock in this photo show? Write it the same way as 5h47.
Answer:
6h42
